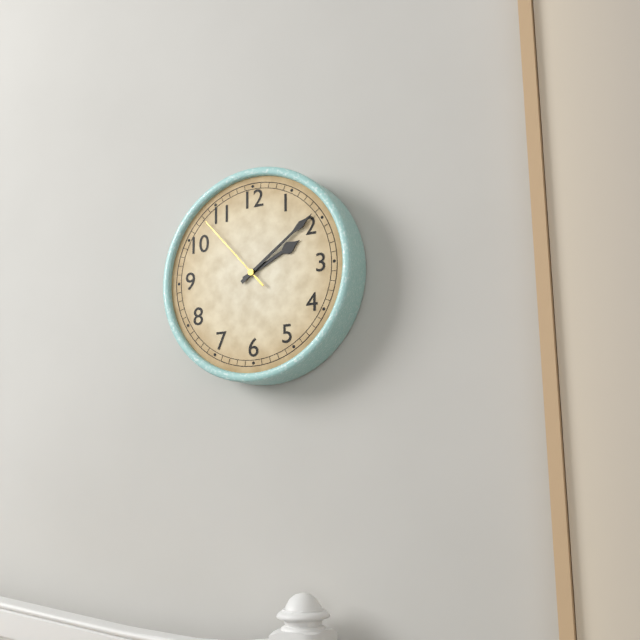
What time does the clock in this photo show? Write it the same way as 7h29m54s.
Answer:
2h09m53s
